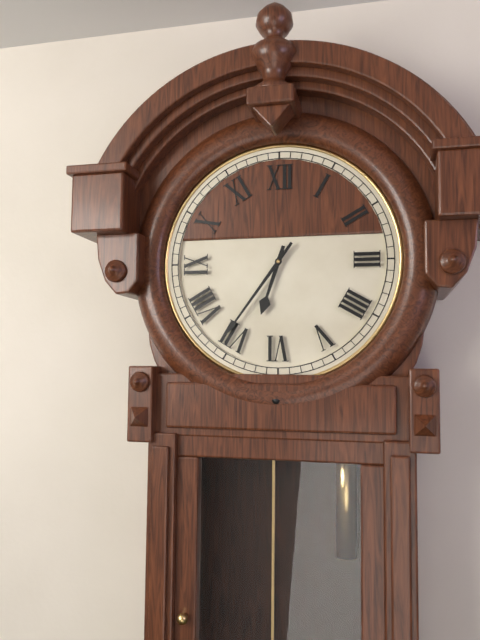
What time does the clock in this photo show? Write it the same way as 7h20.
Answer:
6h36
